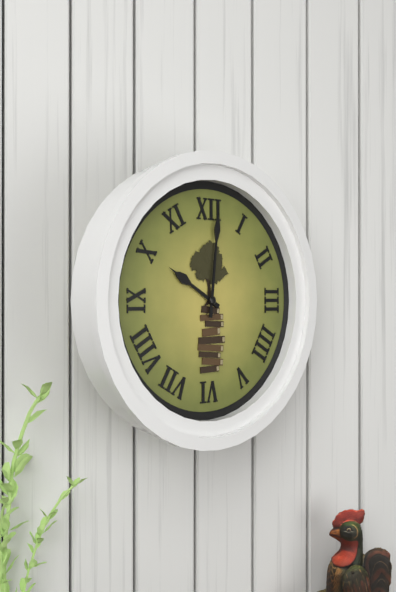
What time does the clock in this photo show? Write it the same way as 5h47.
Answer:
10h01
